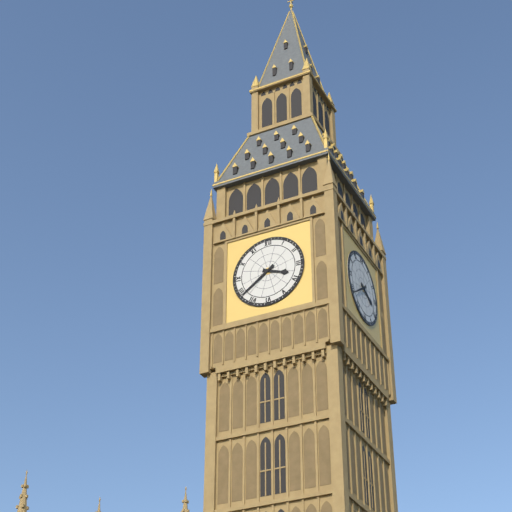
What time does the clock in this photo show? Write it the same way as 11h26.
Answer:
3h39
